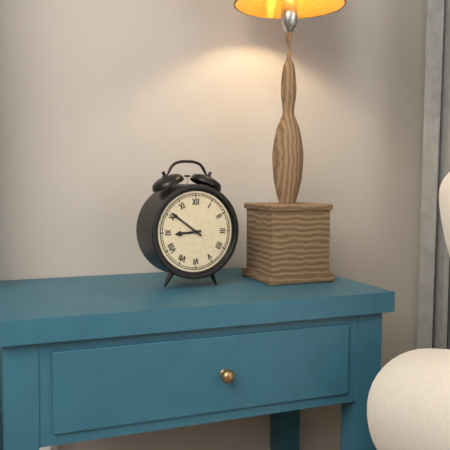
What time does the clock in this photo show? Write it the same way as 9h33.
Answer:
8h51
